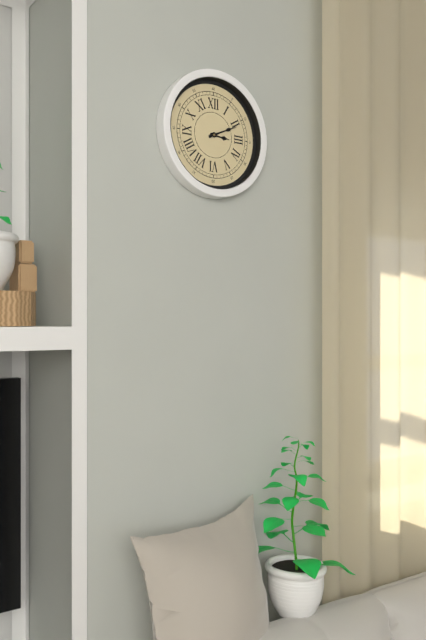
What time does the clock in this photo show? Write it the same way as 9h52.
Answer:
3h11
